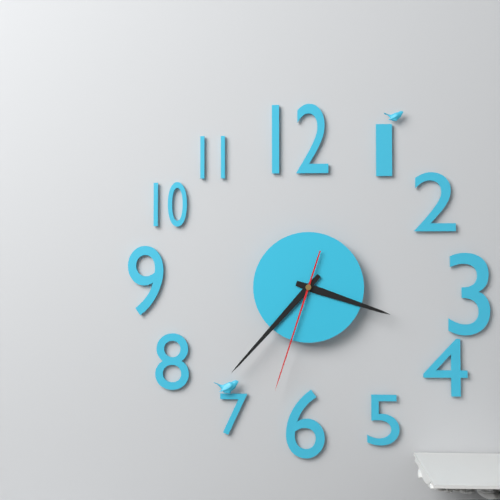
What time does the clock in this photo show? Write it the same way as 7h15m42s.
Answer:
3h37m33s
